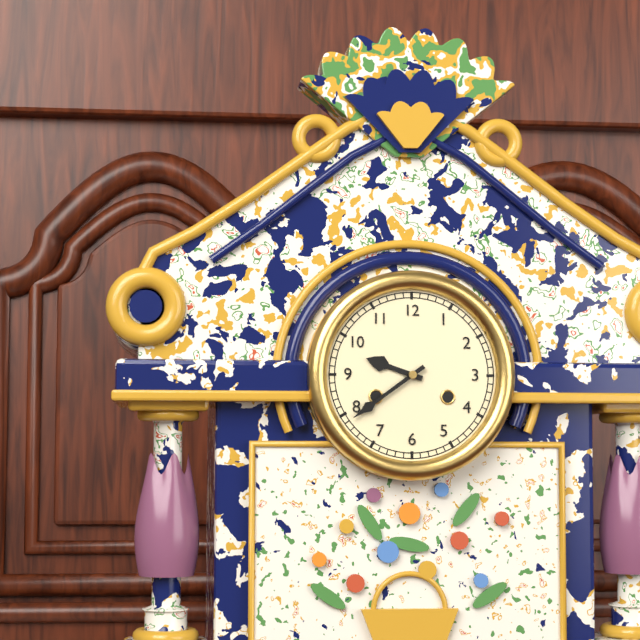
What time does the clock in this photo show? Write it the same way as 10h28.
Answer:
9h39
